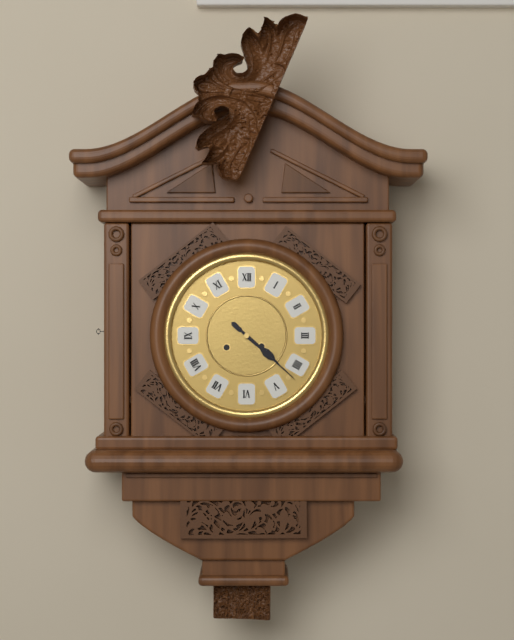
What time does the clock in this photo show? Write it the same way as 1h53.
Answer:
4h22
